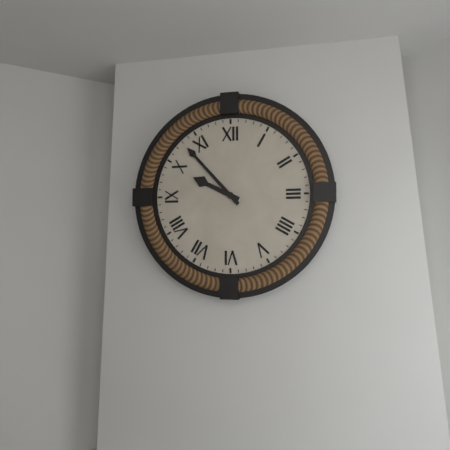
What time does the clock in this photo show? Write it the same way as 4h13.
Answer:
9h53
